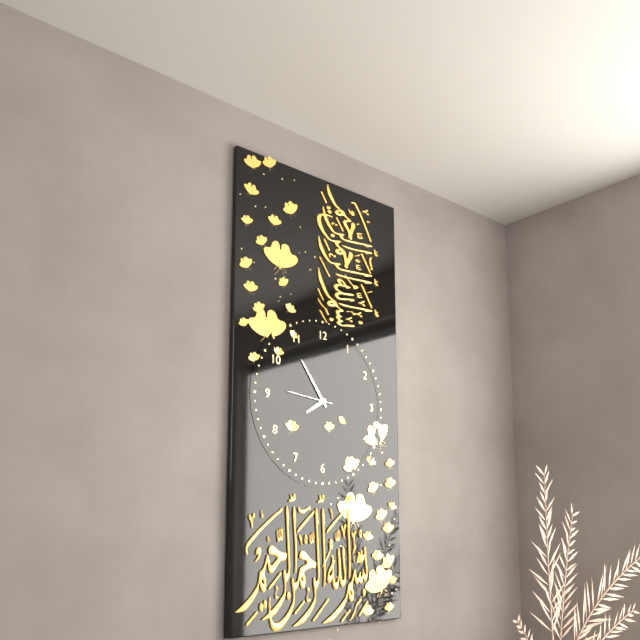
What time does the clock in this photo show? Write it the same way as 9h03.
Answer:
7h54
